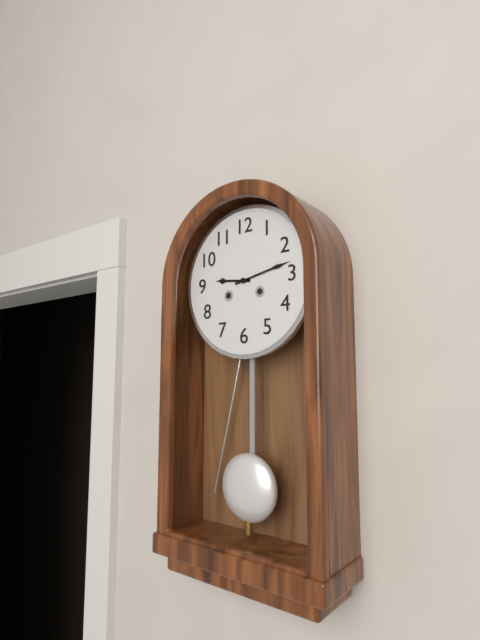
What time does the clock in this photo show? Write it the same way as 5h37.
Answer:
9h13
